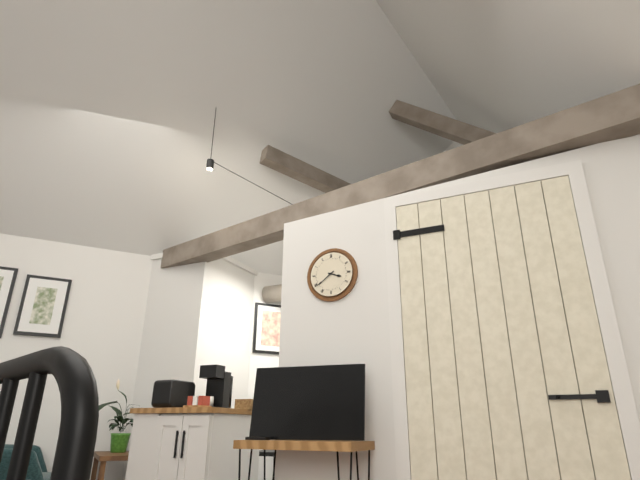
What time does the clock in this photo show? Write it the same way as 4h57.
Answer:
3h39
